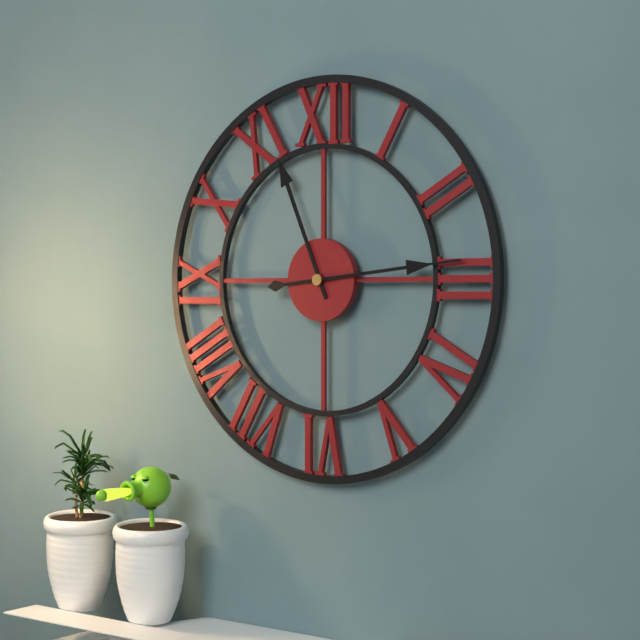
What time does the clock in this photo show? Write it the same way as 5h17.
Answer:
11h14
